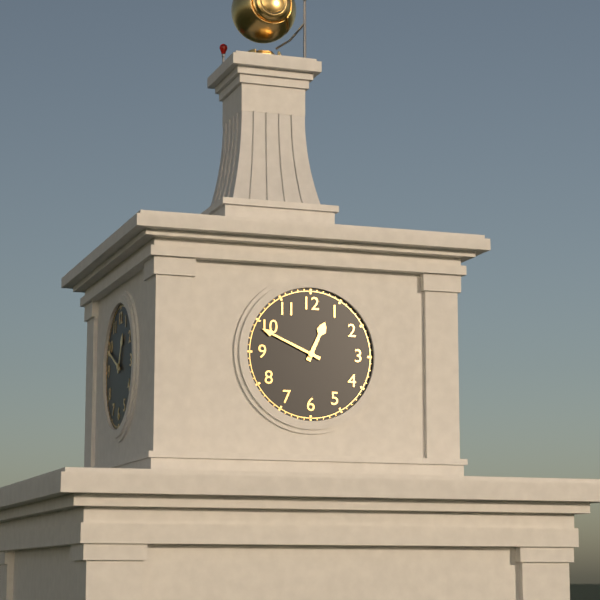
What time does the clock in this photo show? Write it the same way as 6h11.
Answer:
12h49
